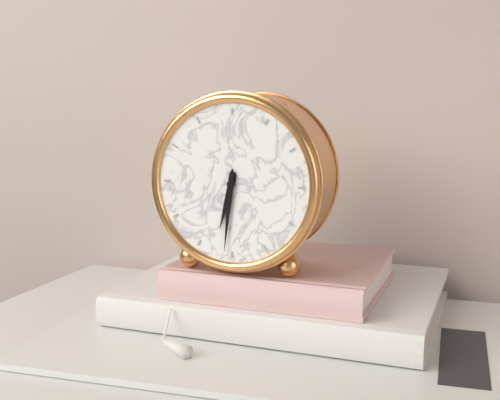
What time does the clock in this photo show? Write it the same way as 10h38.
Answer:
6h31
